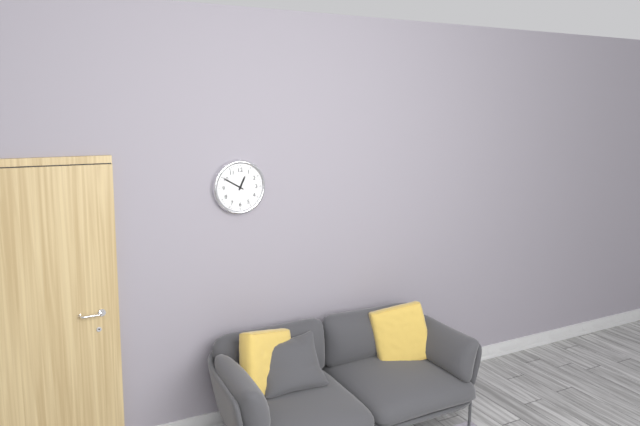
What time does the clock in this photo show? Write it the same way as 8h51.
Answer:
12h50
